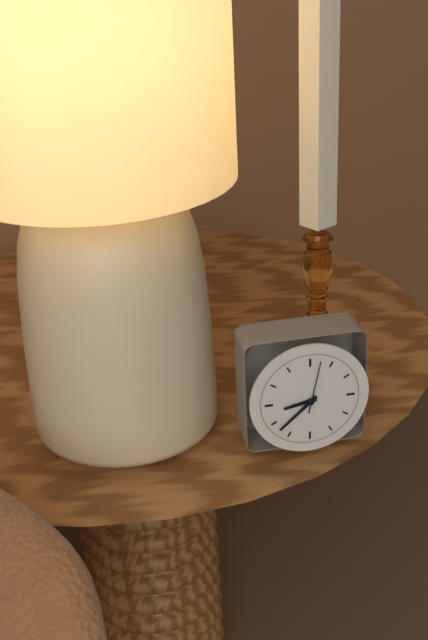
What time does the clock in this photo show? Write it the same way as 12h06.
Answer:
8h38
